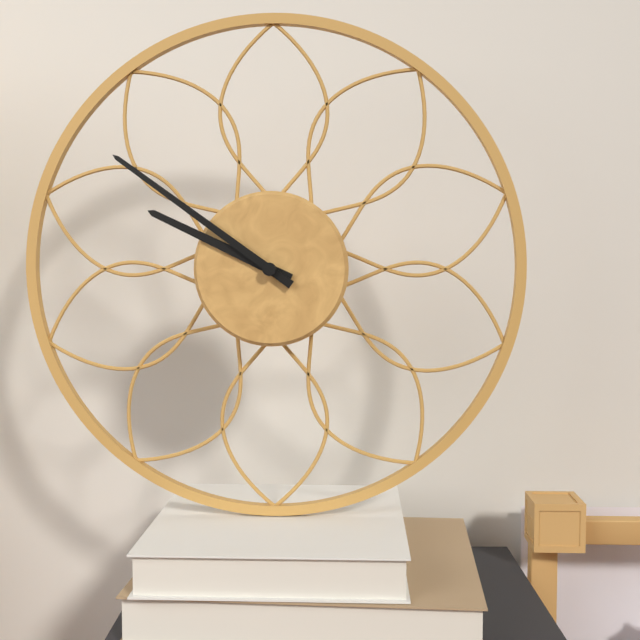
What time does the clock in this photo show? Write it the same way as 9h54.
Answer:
9h51
